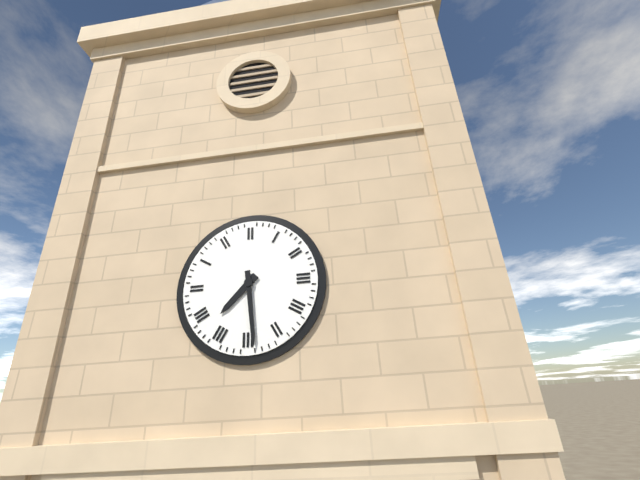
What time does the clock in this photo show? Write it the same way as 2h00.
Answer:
7h29
